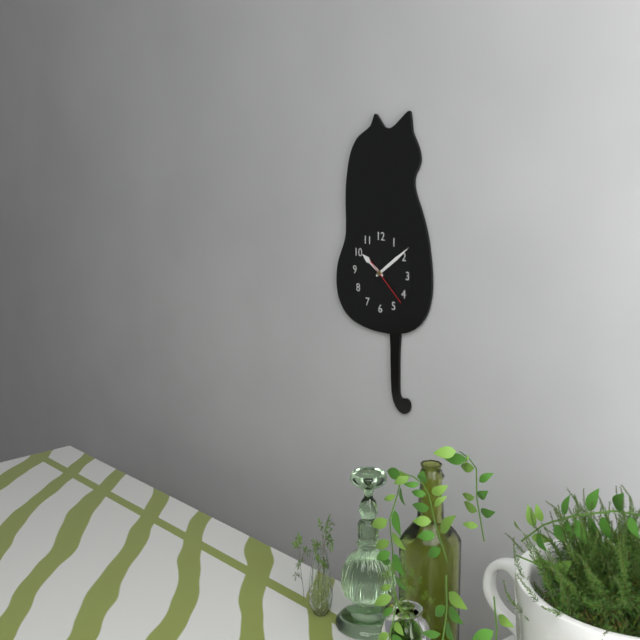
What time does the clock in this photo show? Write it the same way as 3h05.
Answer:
10h09
